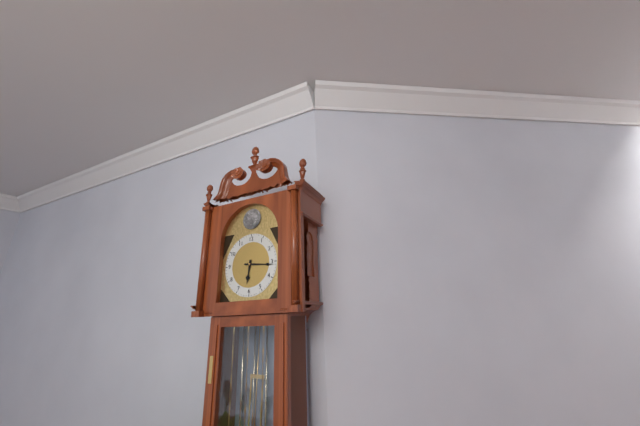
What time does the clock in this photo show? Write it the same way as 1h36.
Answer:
6h16
